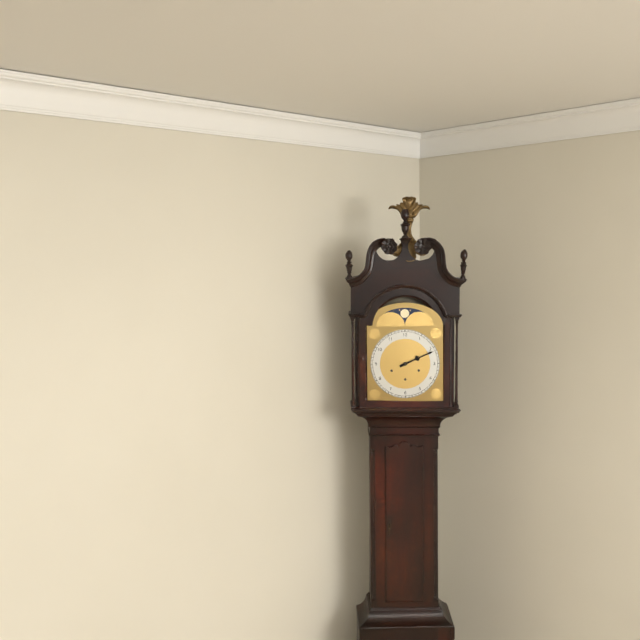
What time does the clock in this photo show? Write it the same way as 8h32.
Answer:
2h11
